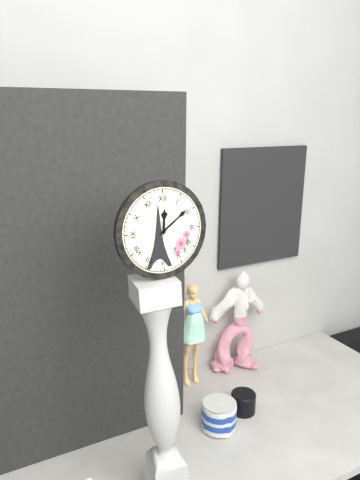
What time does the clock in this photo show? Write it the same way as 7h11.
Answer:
12h09
